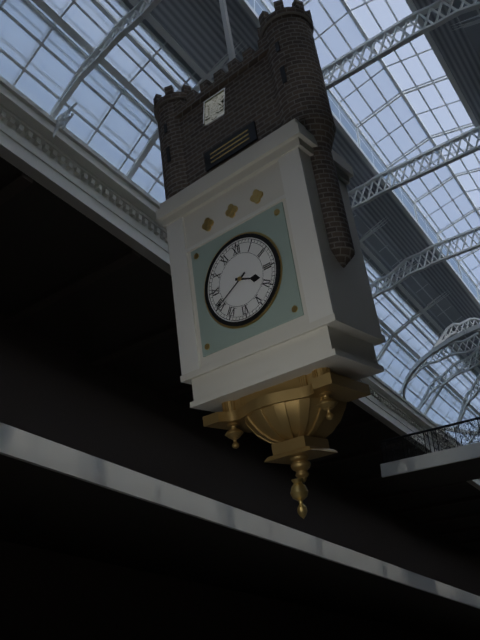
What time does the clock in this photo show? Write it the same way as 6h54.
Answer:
3h40
